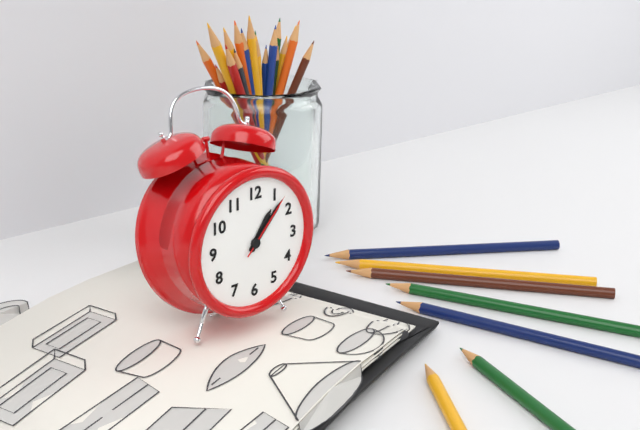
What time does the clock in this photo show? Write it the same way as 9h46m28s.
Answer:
1h07m07s
